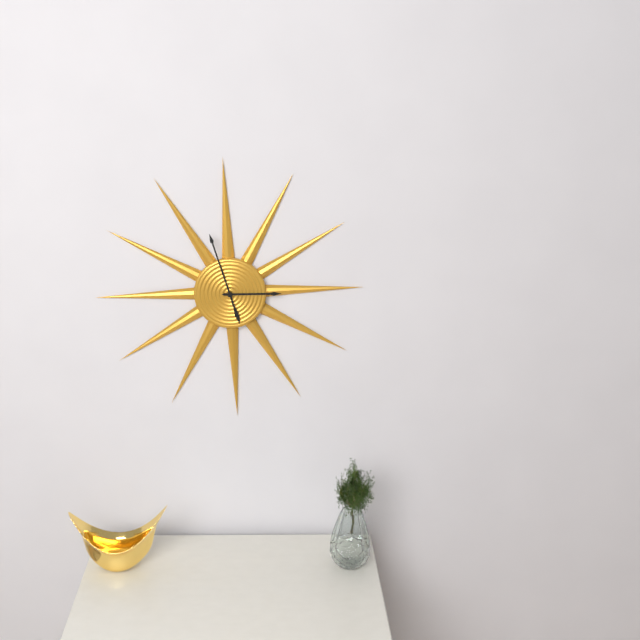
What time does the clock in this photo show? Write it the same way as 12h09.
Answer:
2h57
